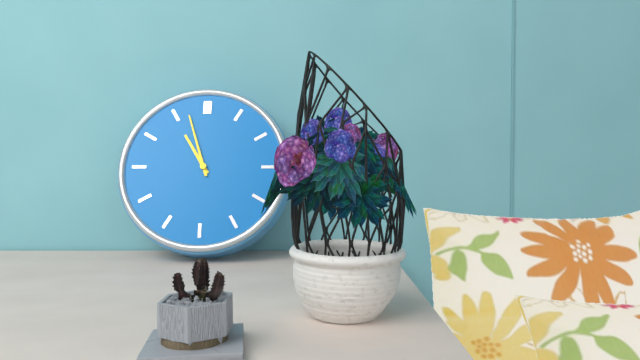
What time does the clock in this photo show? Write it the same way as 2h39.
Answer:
10h57
